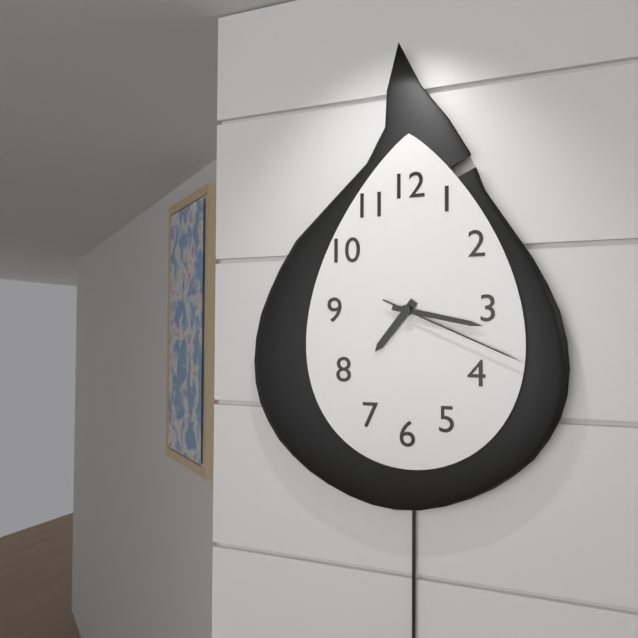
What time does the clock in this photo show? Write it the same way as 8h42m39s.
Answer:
7h17m19s
